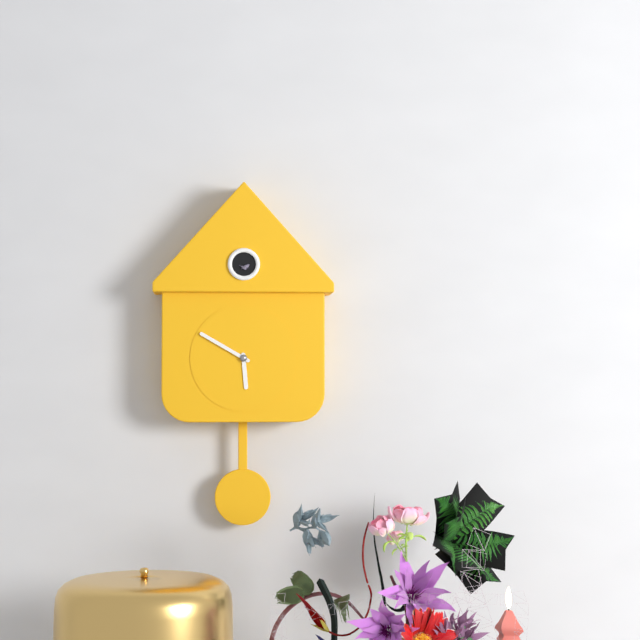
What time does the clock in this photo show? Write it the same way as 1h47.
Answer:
5h50
